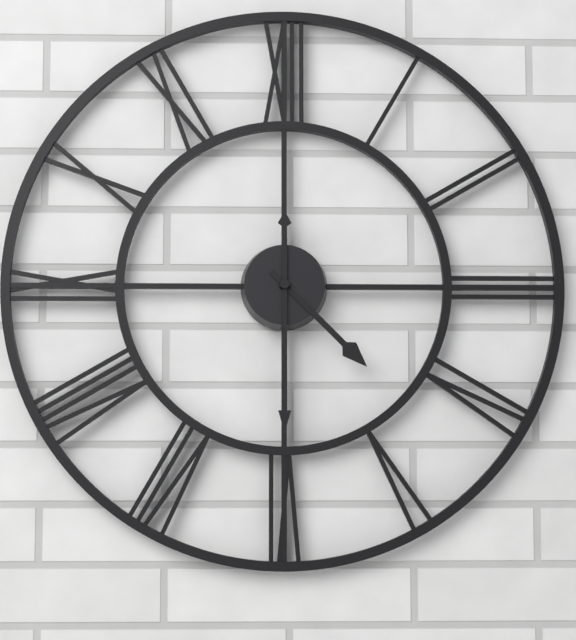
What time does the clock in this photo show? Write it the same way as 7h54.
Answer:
4h30
